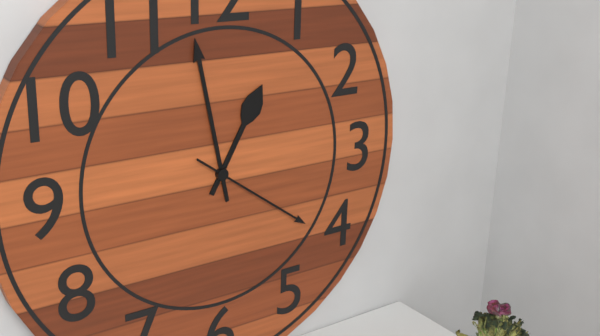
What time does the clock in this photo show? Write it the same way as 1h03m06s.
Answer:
12h58m21s
